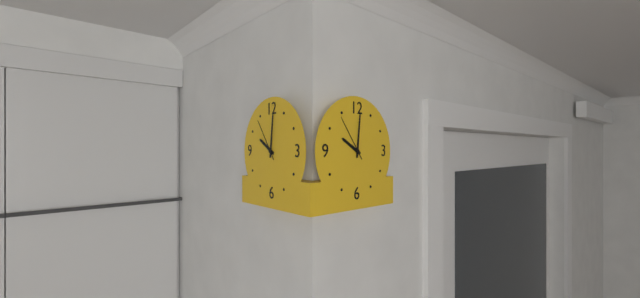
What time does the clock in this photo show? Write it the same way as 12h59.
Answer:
10h01
